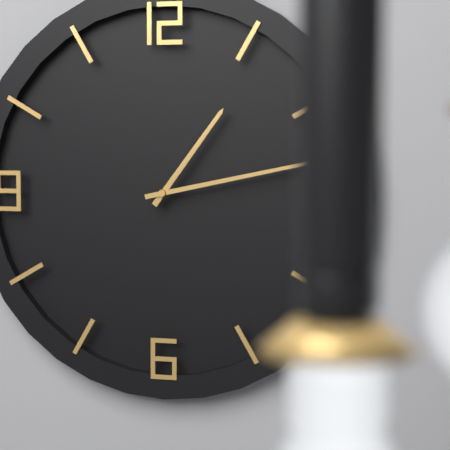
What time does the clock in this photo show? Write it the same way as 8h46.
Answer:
1h13
